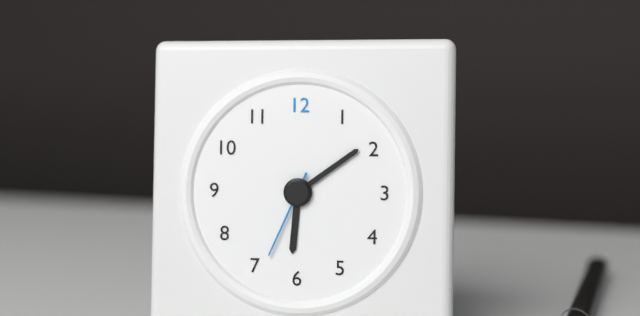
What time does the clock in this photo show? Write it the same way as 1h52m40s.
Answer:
6h09m34s
